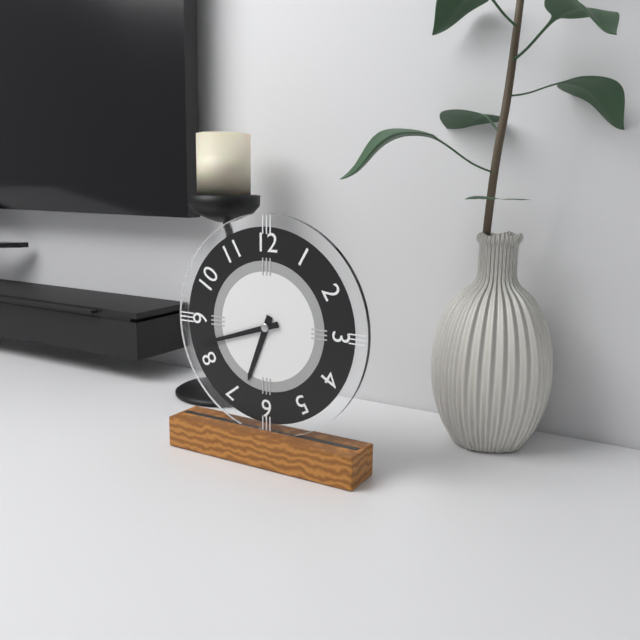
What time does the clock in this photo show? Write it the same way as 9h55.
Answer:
6h42
